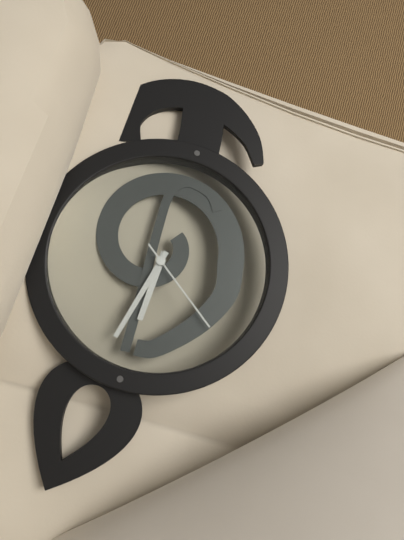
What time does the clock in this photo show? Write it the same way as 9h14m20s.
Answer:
12h02m51s
